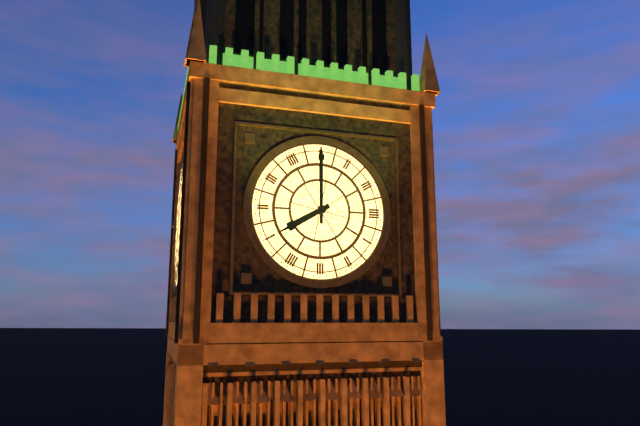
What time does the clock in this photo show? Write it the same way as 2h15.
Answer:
8h00
